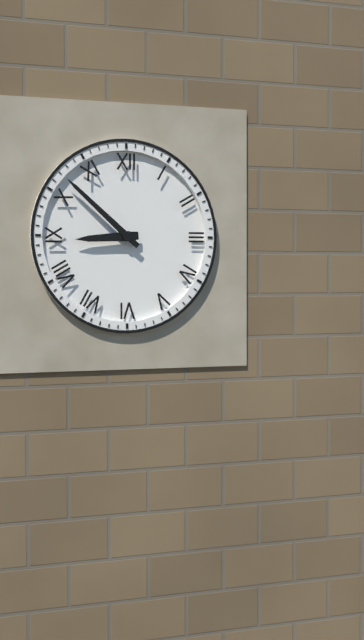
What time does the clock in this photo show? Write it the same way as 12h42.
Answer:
8h52
